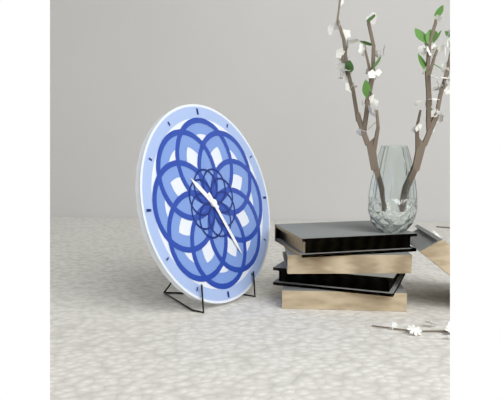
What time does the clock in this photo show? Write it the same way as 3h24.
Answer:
10h25
